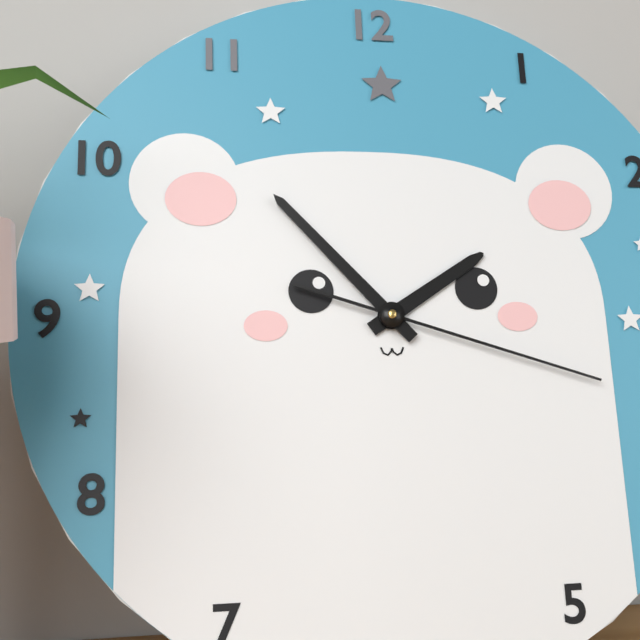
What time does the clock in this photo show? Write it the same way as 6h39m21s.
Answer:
1h53m18s
